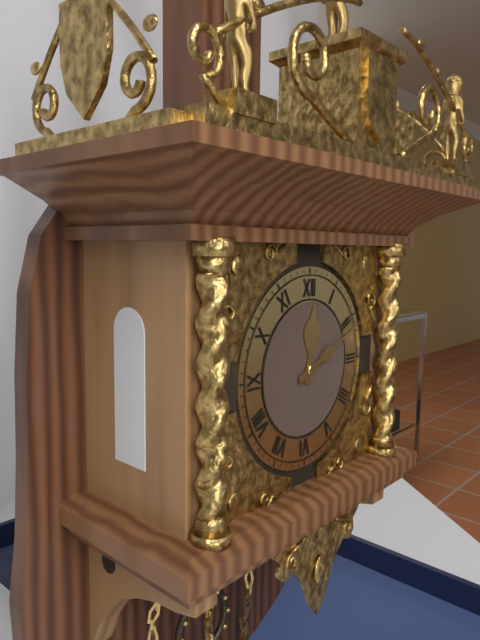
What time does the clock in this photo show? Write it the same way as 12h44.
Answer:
12h11
